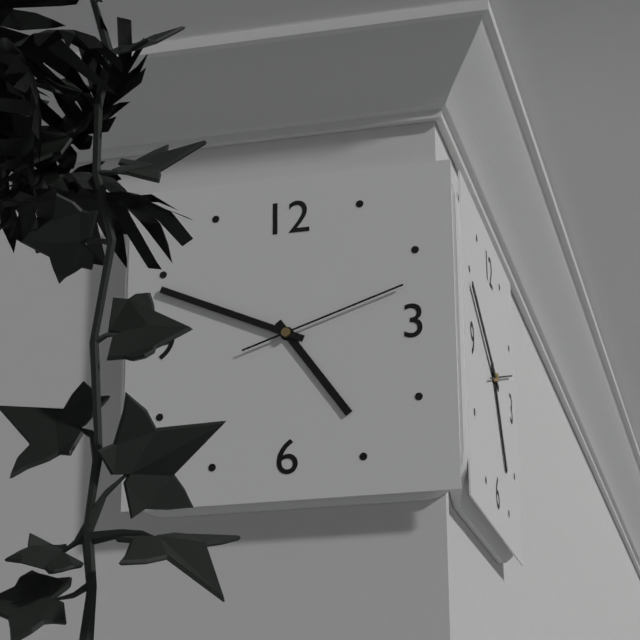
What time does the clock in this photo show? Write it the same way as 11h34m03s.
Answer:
4h49m12s
